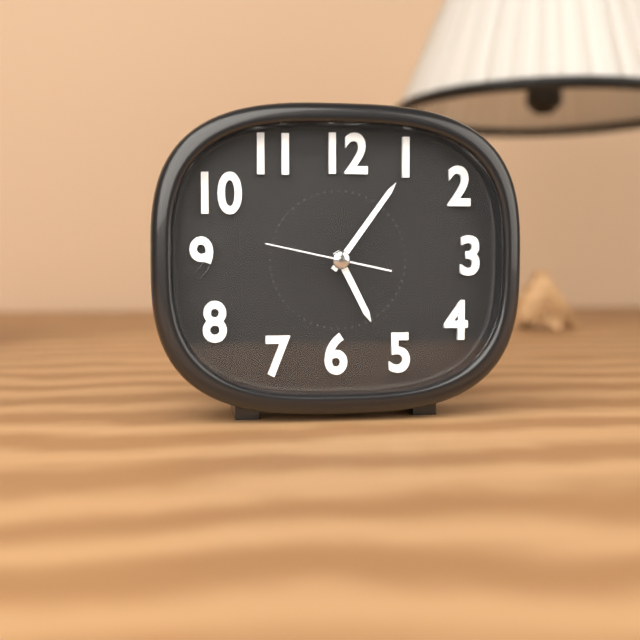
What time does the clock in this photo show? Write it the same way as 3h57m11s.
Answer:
5h06m47s
